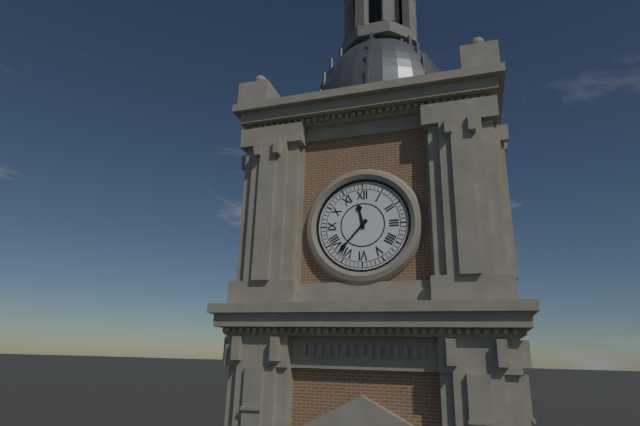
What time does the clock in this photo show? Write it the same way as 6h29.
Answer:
11h37
